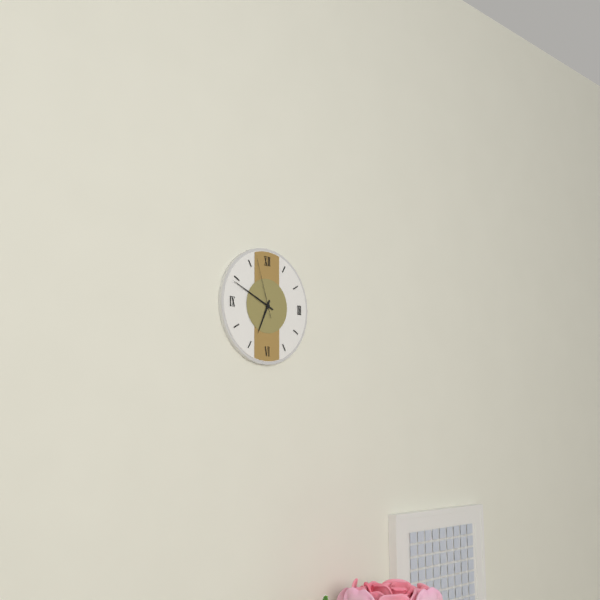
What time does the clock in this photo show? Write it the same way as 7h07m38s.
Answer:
6h49m57s
